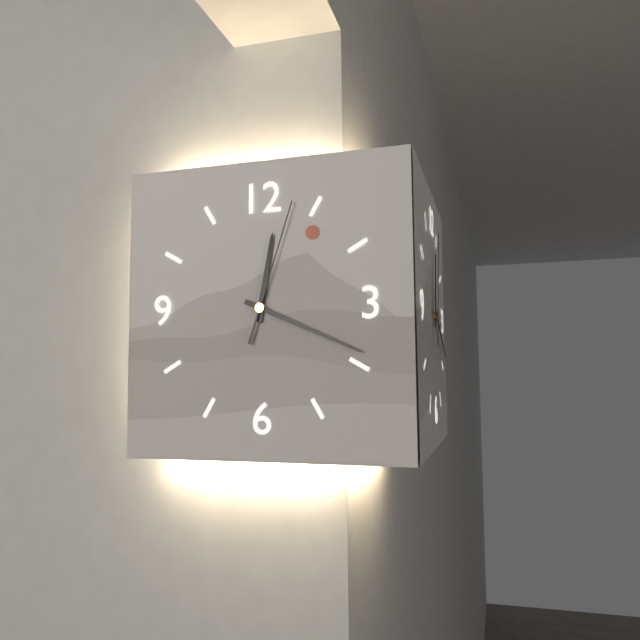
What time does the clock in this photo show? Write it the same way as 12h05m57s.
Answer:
12h19m03s
